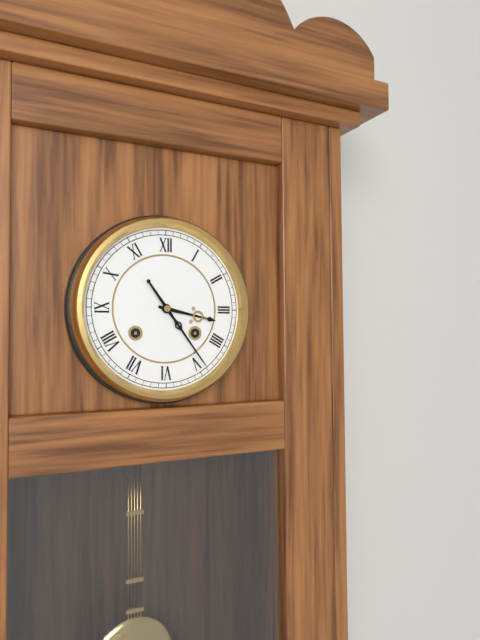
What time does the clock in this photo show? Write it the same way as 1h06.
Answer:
3h24
